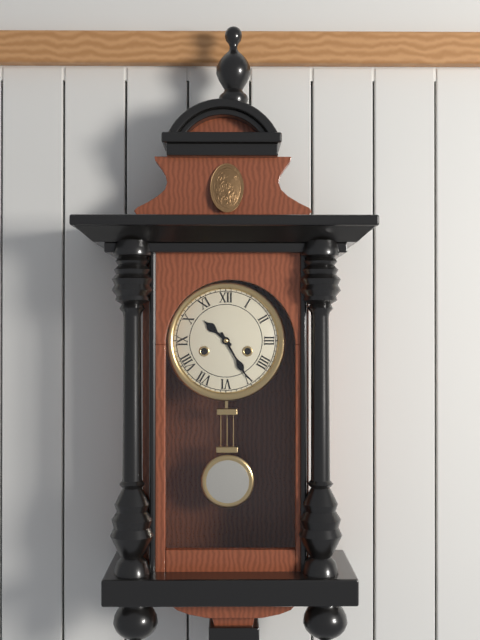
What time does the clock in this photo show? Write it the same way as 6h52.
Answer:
10h25
